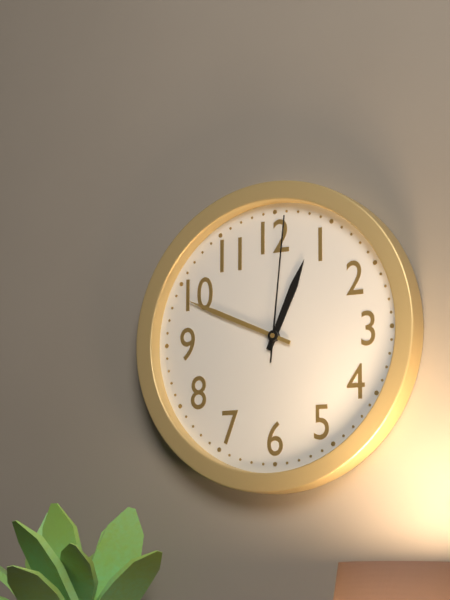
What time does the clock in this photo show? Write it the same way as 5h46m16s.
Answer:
12h49m01s
